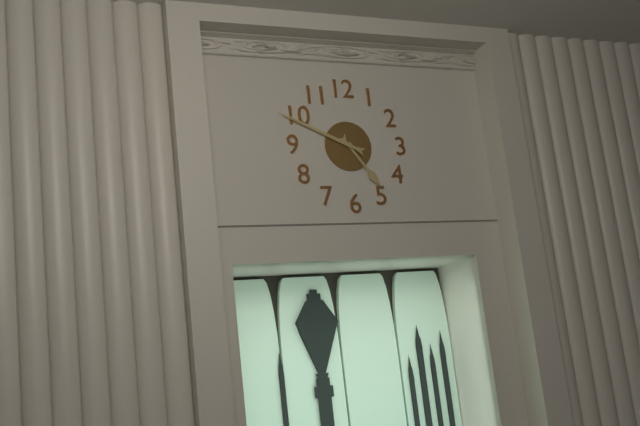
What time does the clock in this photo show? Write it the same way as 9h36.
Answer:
4h49
